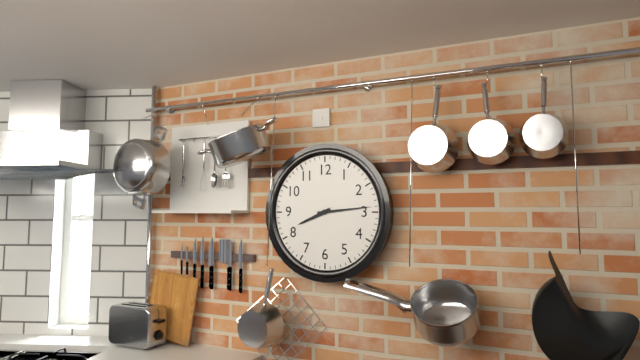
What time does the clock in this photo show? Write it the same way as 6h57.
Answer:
8h14
